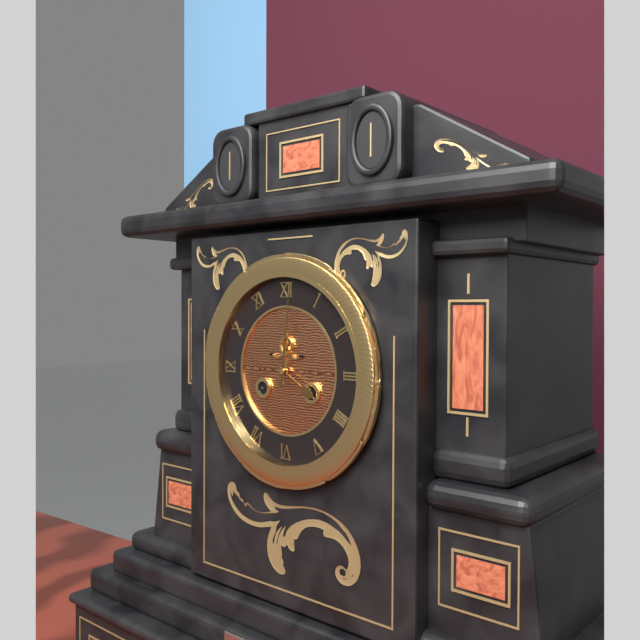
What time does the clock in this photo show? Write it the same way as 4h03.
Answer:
4h01
